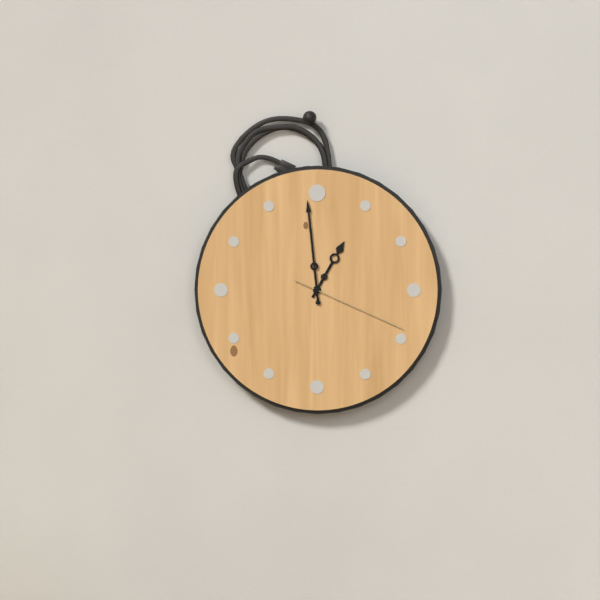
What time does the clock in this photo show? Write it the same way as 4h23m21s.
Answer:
12h59m19s
